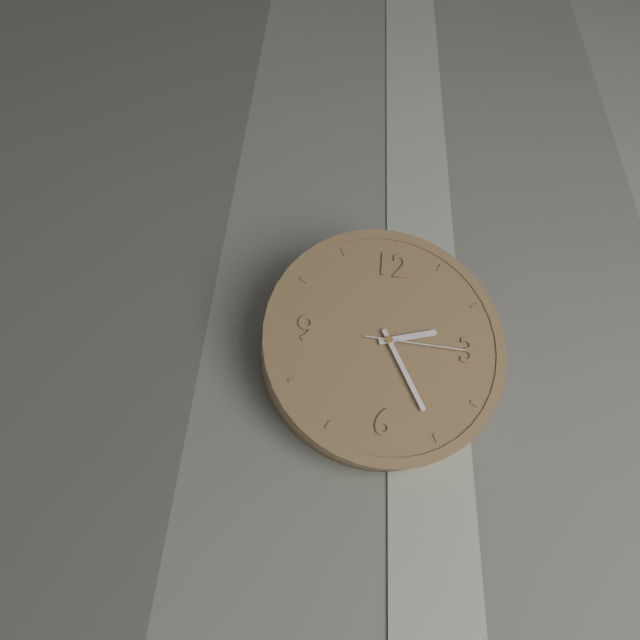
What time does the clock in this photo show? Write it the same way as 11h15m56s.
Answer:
2h25m15s
